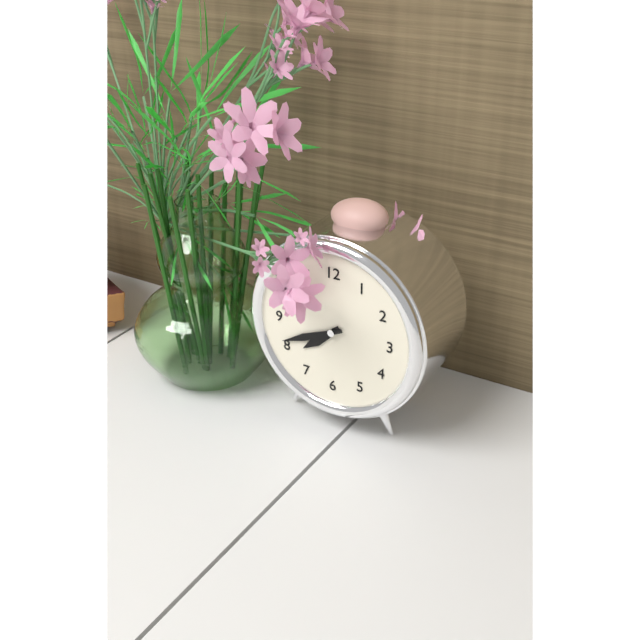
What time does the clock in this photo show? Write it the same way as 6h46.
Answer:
7h41
